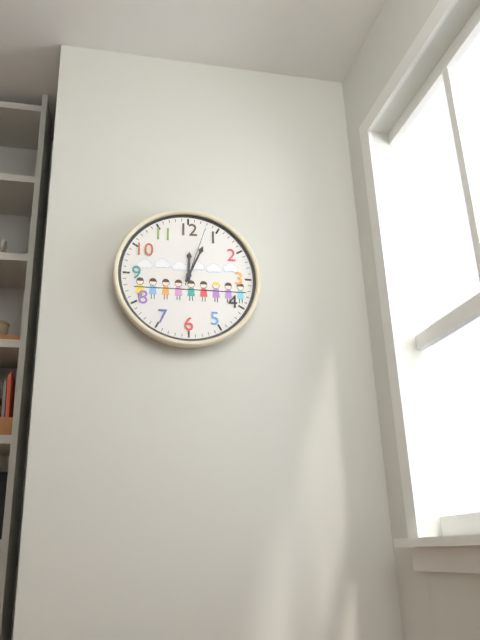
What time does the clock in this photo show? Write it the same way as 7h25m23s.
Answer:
12h04m03s
